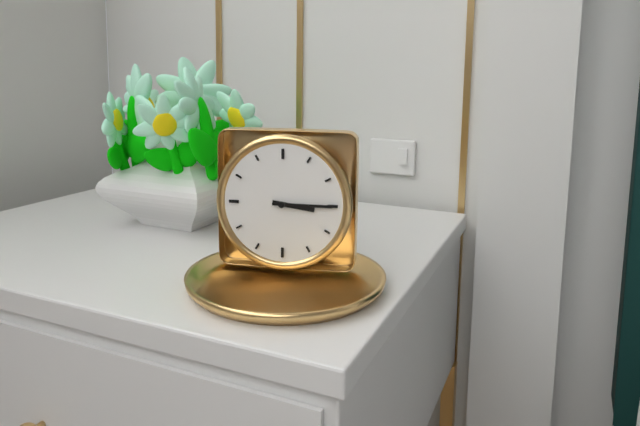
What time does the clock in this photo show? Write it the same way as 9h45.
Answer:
3h15
